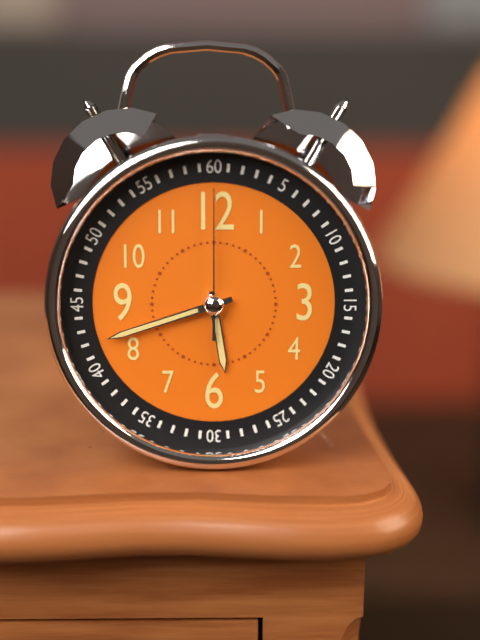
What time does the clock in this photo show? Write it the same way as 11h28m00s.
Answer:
5h42m00s
